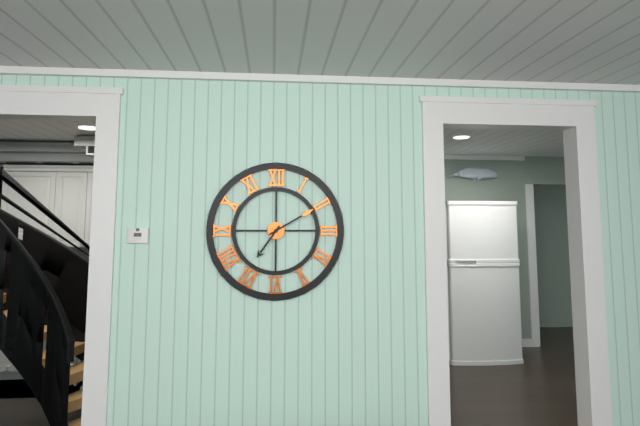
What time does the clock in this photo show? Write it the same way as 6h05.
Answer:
7h10
